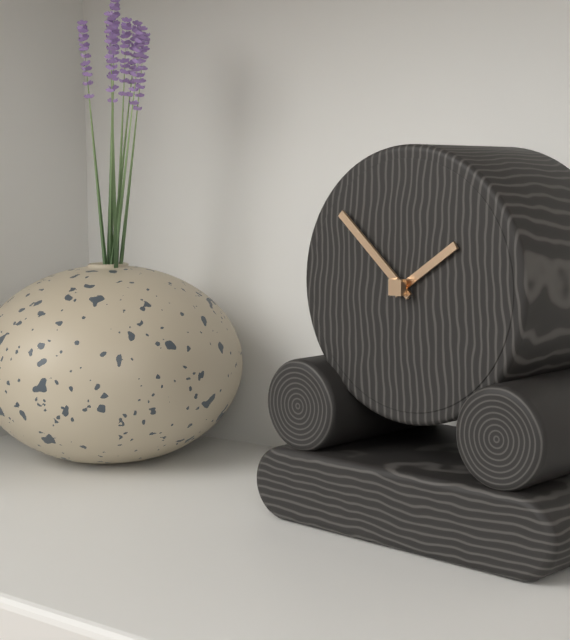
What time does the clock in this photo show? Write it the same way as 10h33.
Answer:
1h52
